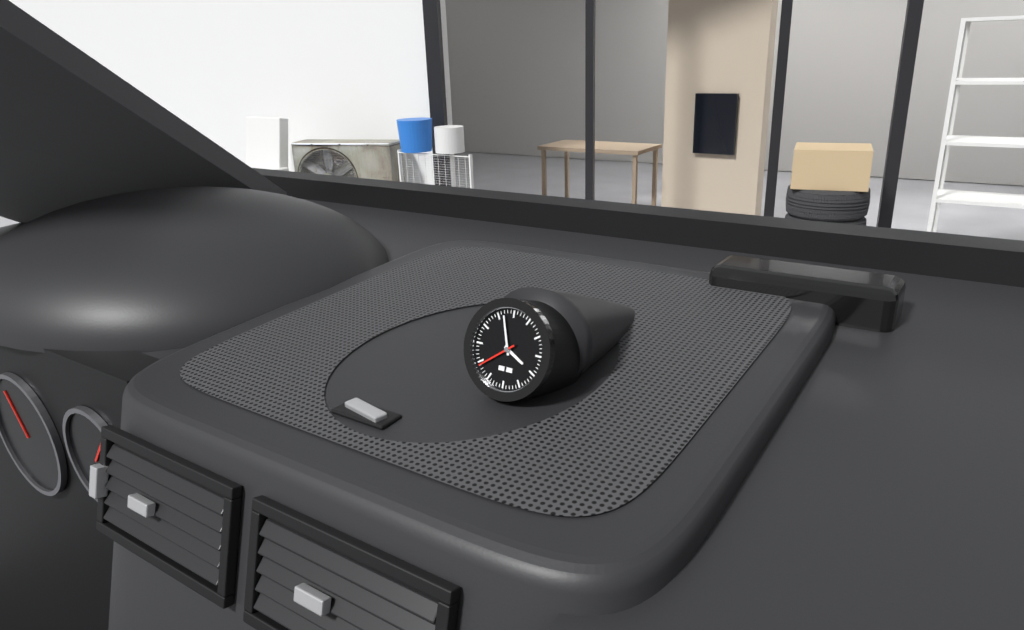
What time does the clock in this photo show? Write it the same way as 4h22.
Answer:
3h57
